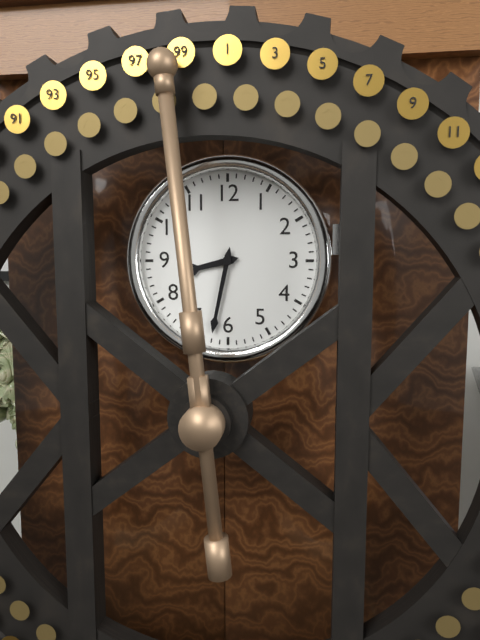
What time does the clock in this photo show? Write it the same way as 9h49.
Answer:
8h32
